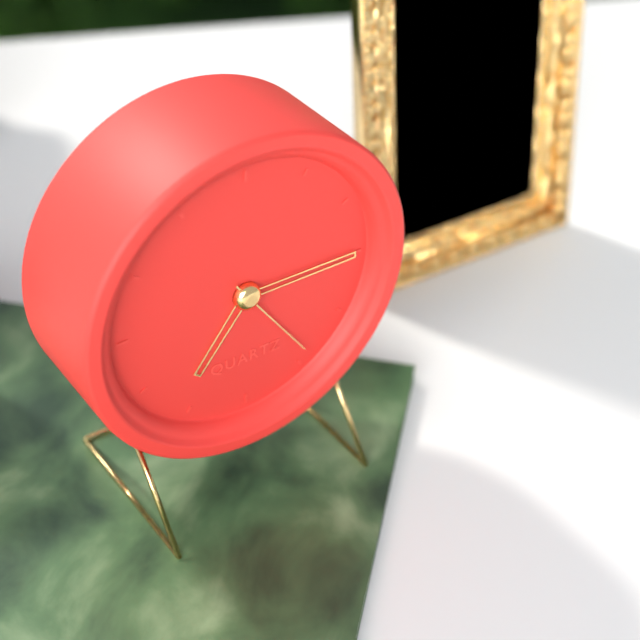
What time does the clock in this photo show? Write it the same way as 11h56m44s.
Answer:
7h15m24s
